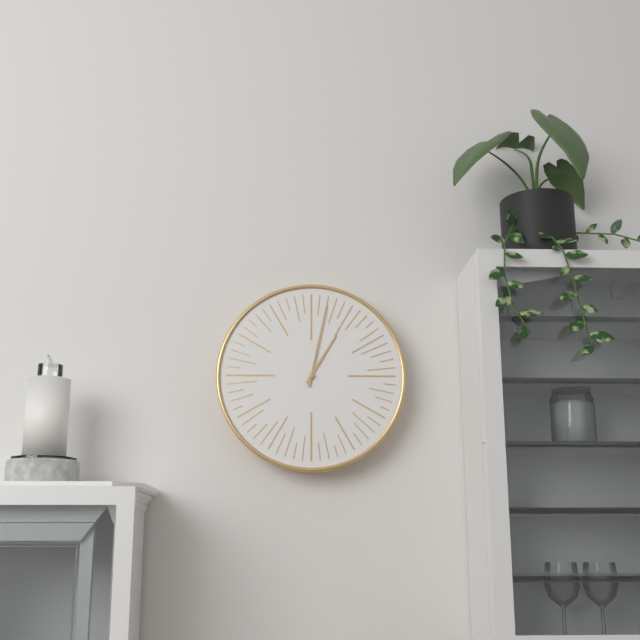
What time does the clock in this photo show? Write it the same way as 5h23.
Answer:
1h02
